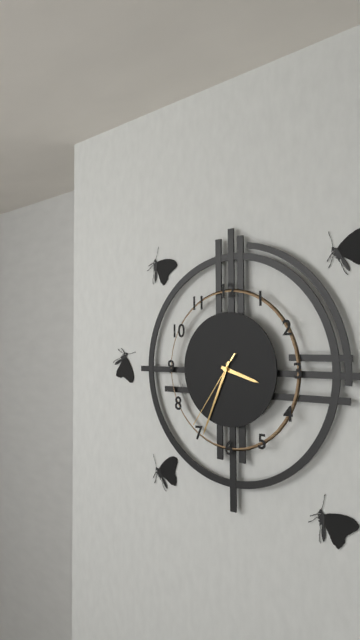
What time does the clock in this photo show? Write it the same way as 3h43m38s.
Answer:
3h34m36s
